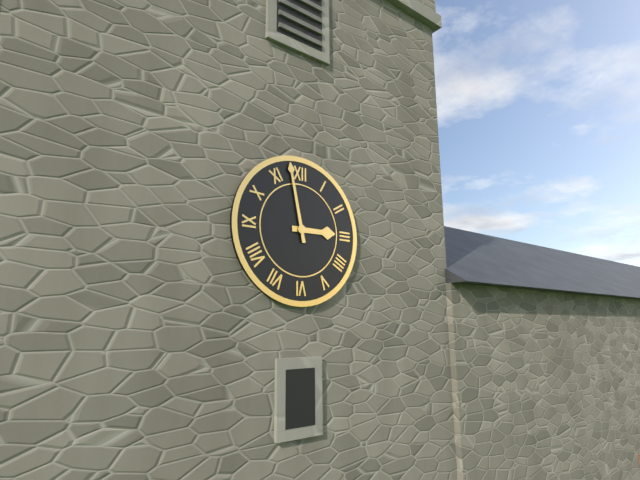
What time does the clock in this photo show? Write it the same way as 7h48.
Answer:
2h58
